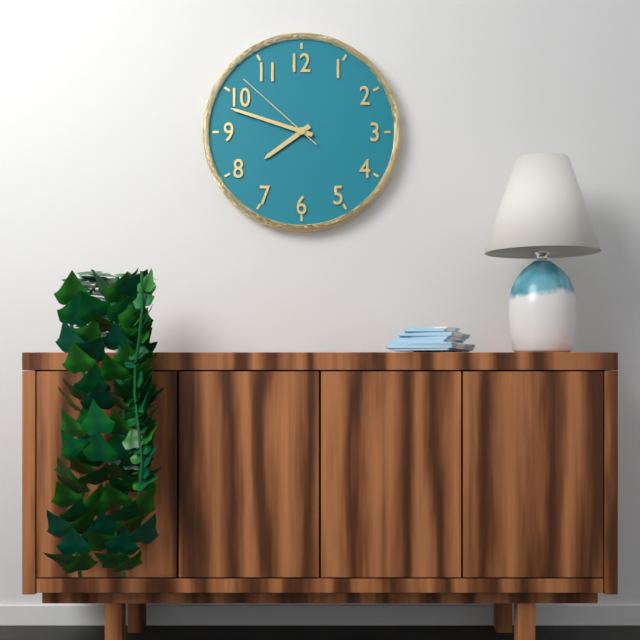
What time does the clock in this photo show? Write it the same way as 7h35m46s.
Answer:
7h48m52s
